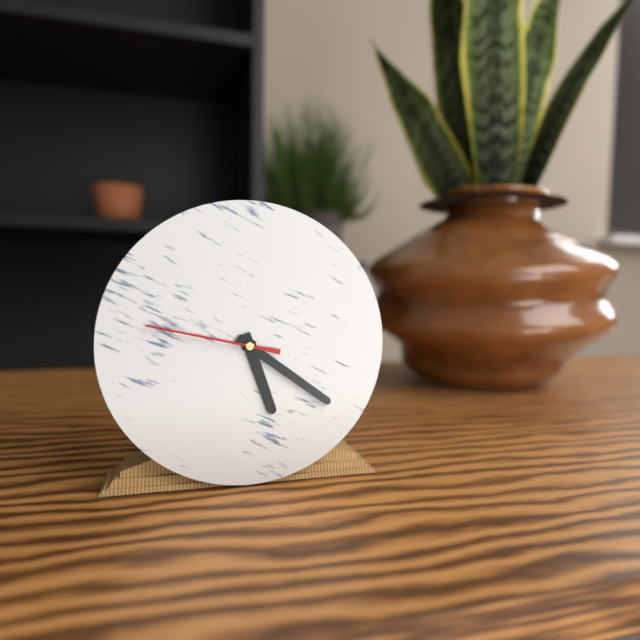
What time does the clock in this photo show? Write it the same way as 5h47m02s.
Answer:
5h21m47s
